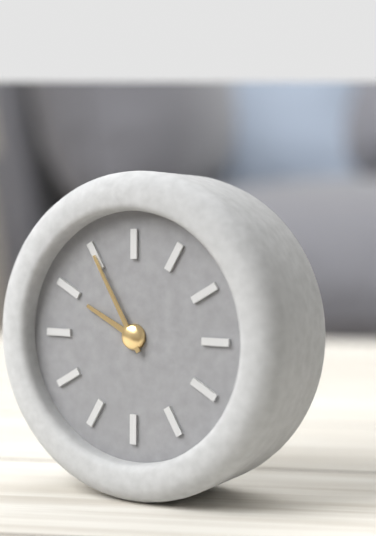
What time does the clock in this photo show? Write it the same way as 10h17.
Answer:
9h55
